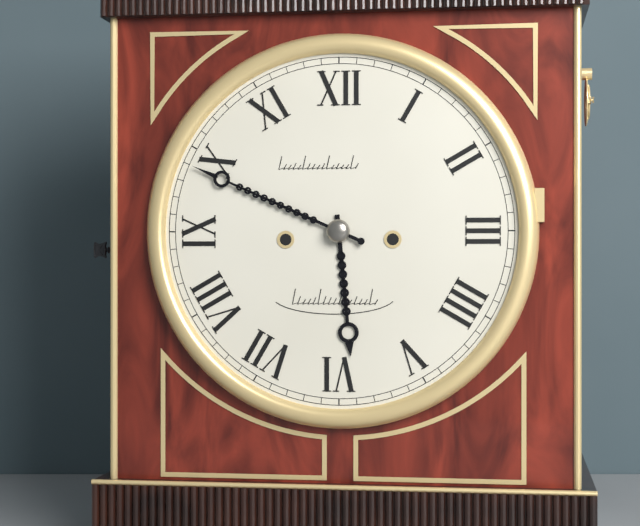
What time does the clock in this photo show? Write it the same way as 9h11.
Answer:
5h49
